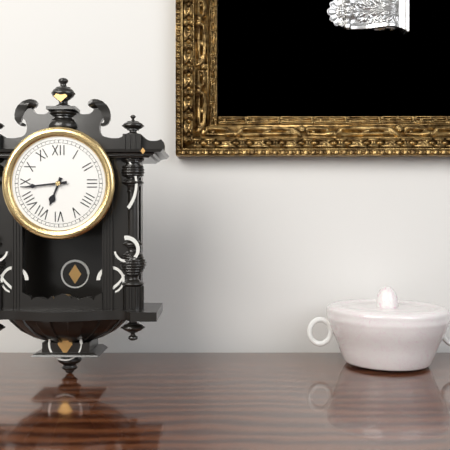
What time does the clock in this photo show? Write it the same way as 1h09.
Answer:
6h44
